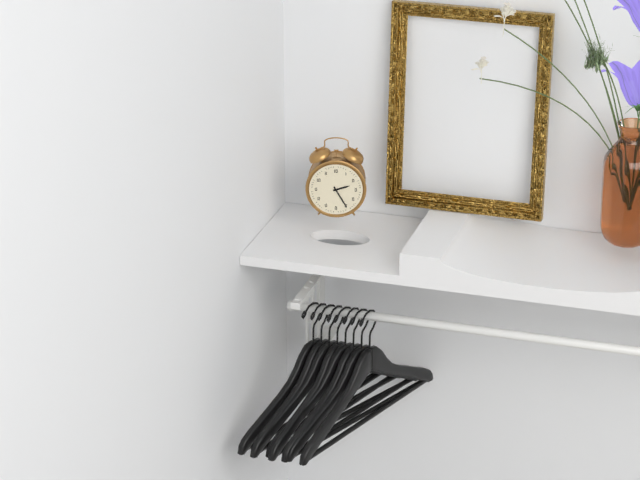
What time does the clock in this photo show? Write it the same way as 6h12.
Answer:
2h25
